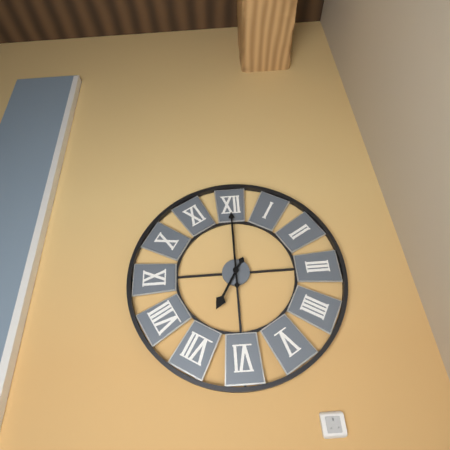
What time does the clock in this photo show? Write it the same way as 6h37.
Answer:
7h00
